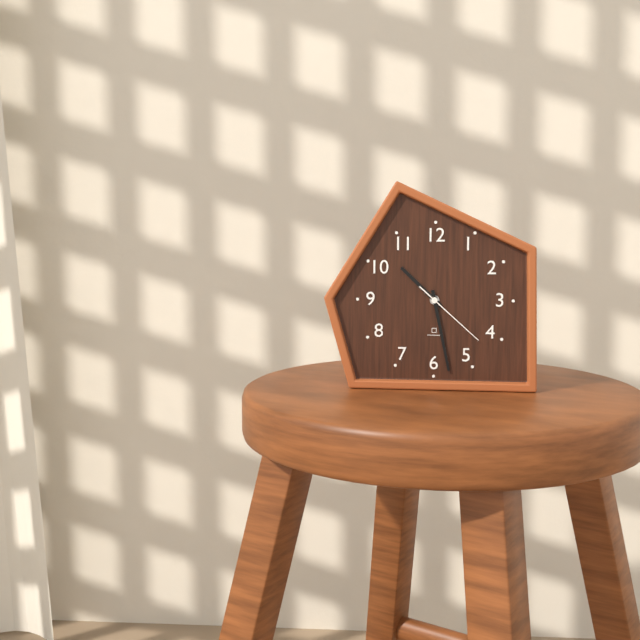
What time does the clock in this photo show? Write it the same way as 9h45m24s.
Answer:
10h28m22s
